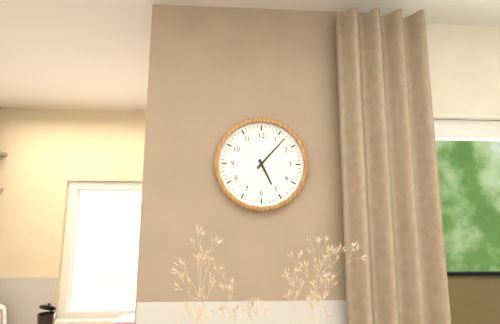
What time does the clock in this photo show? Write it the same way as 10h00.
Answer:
5h07
